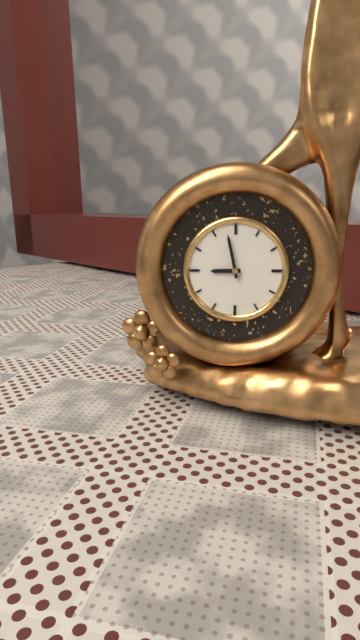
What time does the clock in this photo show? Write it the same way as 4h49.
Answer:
8h58
